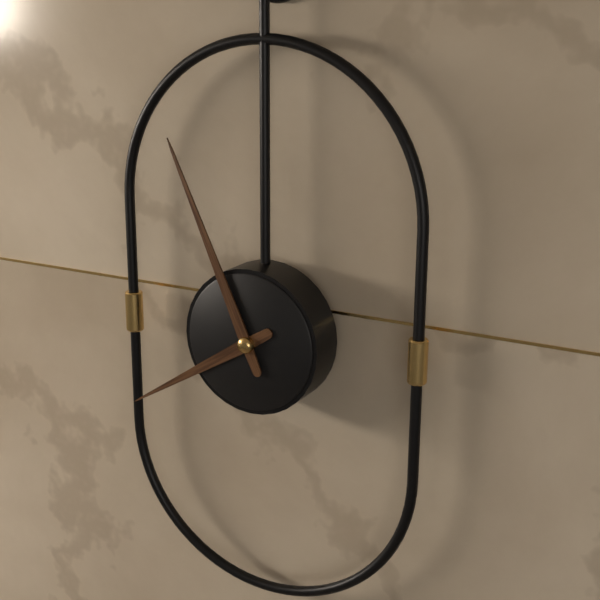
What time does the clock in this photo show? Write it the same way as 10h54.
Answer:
7h56
